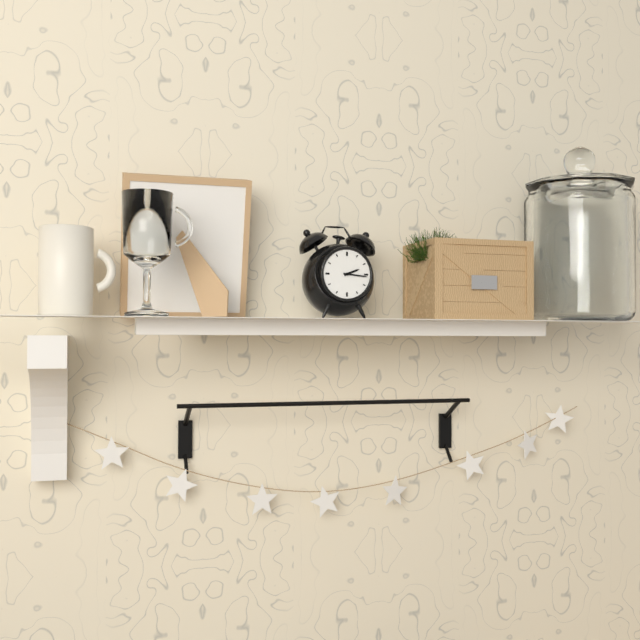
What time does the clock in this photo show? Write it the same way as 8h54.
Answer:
2h16
